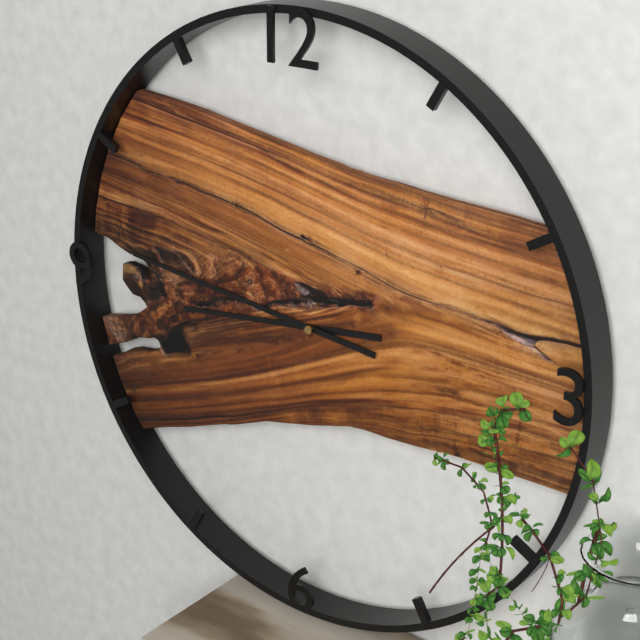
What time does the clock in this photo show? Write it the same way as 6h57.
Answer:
8h46
